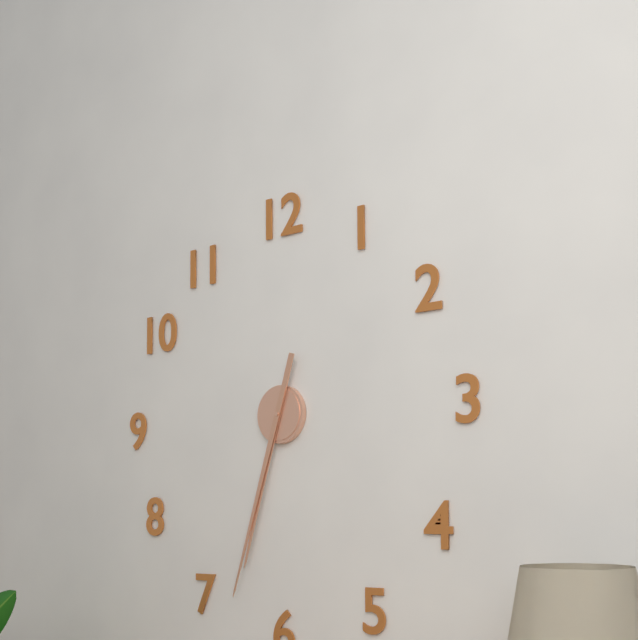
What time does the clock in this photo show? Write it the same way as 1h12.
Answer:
6h33
